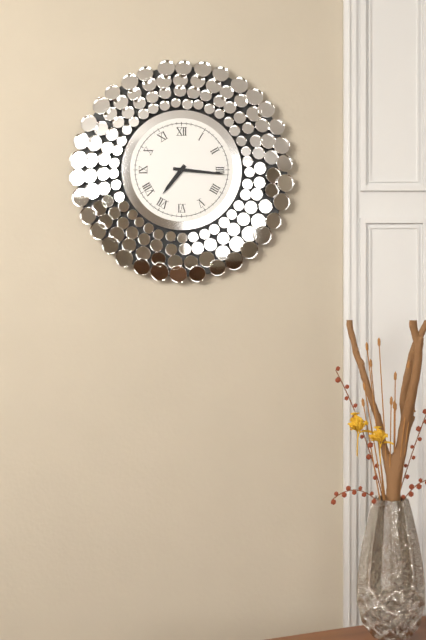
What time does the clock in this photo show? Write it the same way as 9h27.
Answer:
7h16
